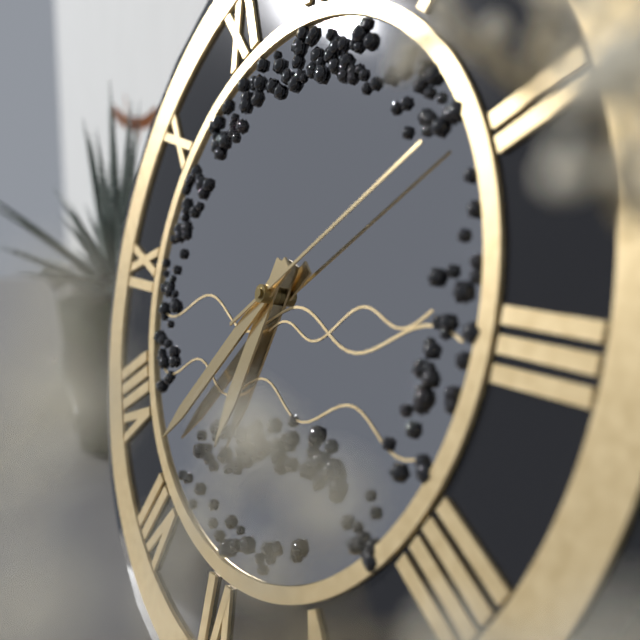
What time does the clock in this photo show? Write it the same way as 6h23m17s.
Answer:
6h37m09s
